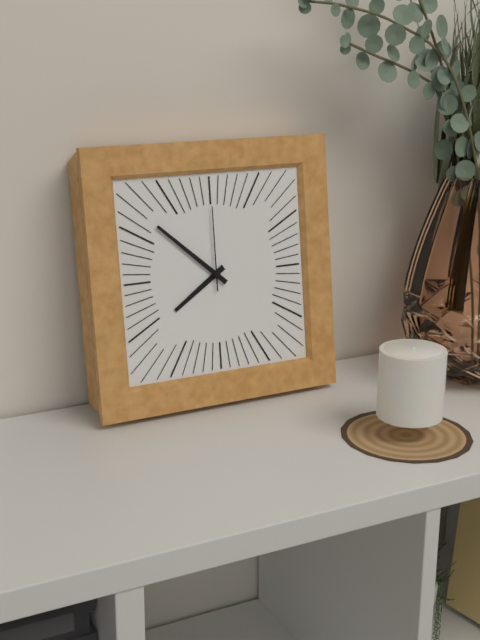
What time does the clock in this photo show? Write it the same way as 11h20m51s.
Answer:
7h52m00s
